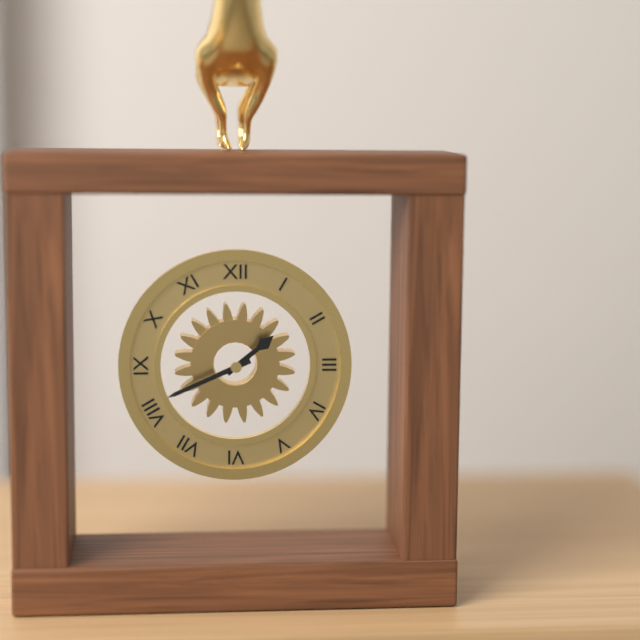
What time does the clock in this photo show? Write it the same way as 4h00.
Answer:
1h41
